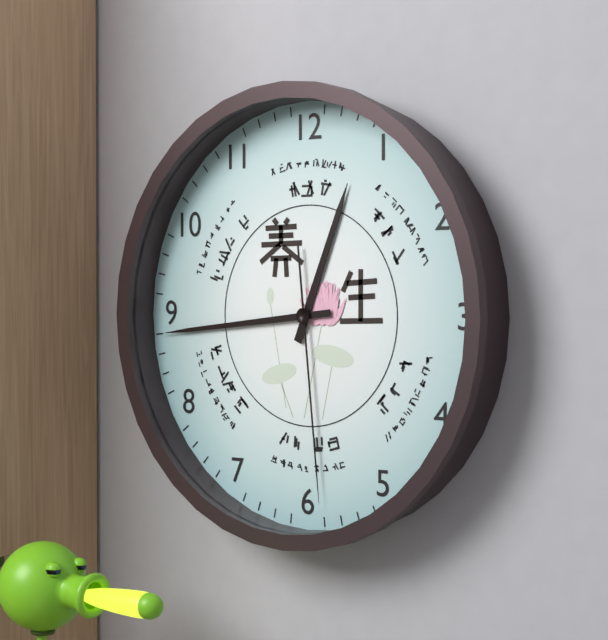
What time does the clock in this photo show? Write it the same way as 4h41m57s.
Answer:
12h44m29s
